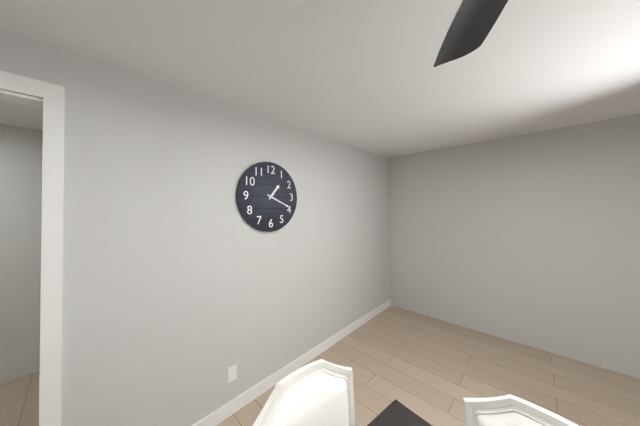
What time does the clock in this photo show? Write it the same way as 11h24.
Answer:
1h19
